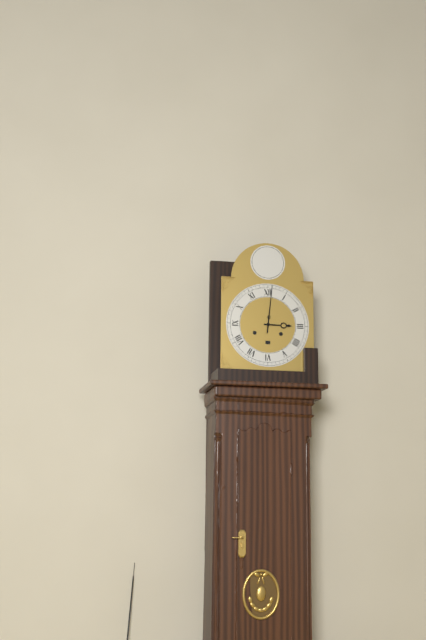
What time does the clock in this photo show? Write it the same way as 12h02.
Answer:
3h01
